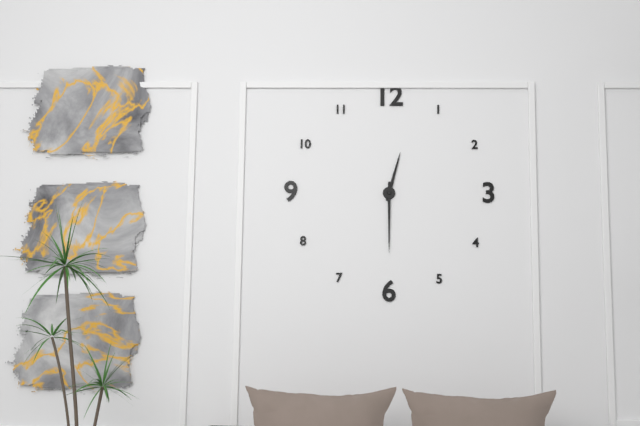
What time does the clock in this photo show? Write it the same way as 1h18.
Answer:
12h30
